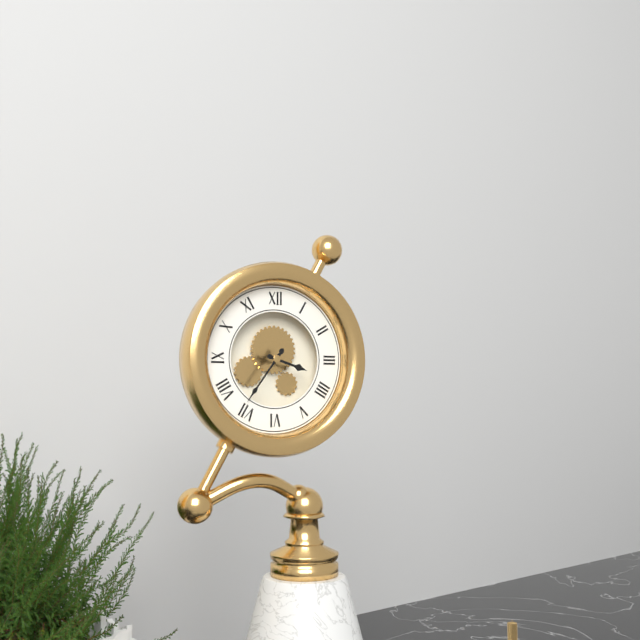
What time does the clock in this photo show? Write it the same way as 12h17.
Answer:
3h36
